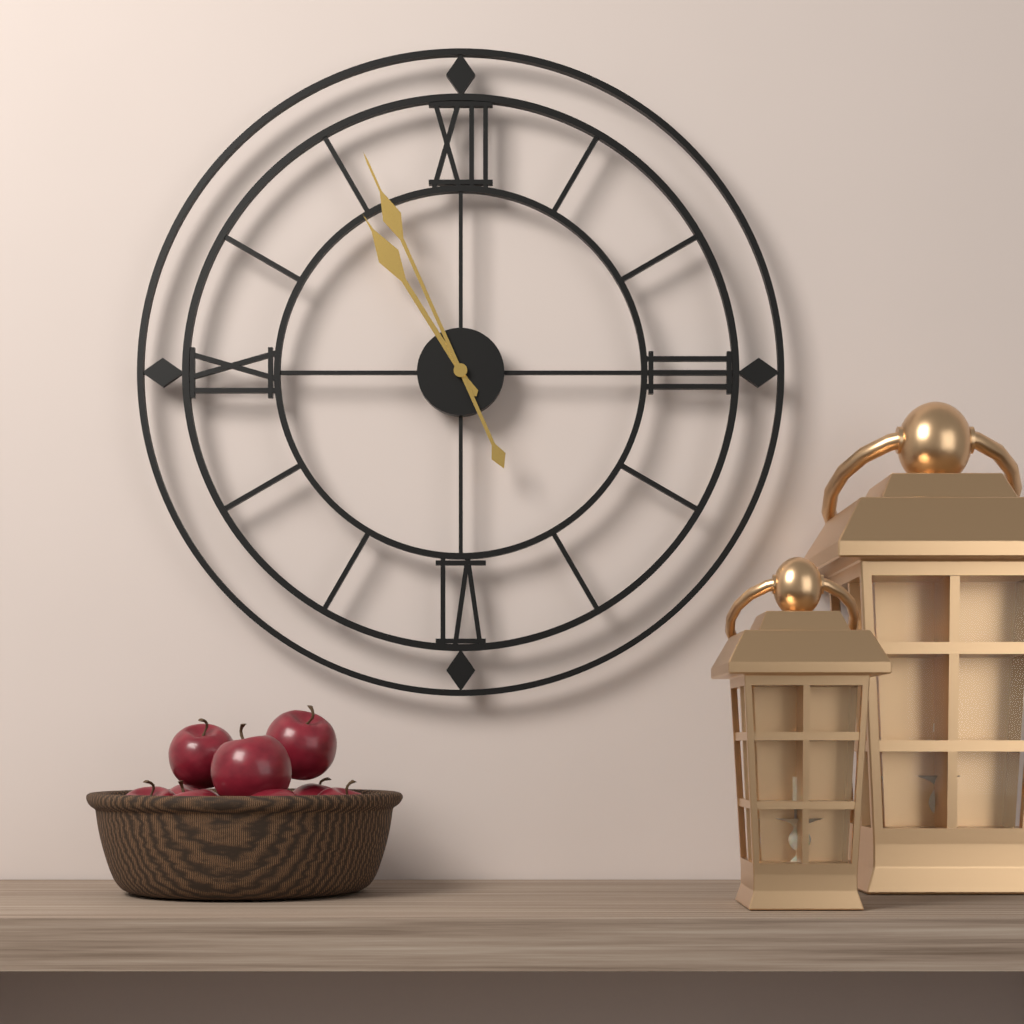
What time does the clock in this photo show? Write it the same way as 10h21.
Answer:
10h56
